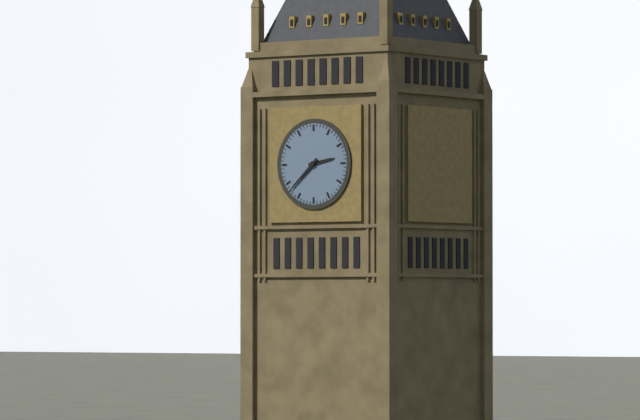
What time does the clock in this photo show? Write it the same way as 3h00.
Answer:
2h38
